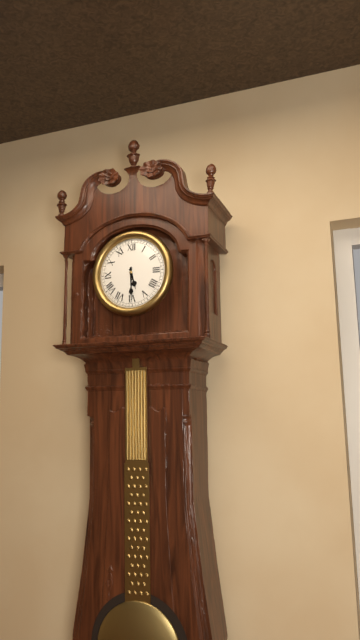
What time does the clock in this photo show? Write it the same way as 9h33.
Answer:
5h30
